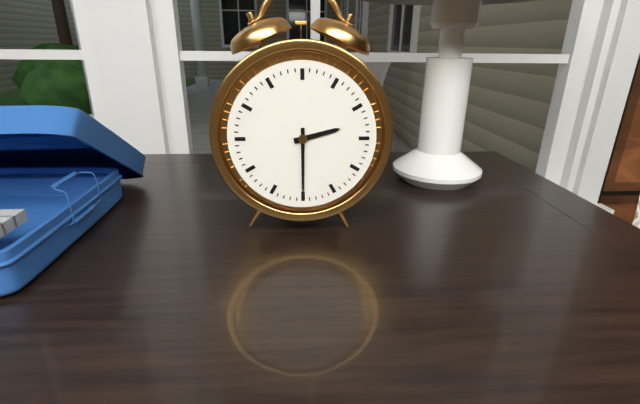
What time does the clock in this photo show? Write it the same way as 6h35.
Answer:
2h30
